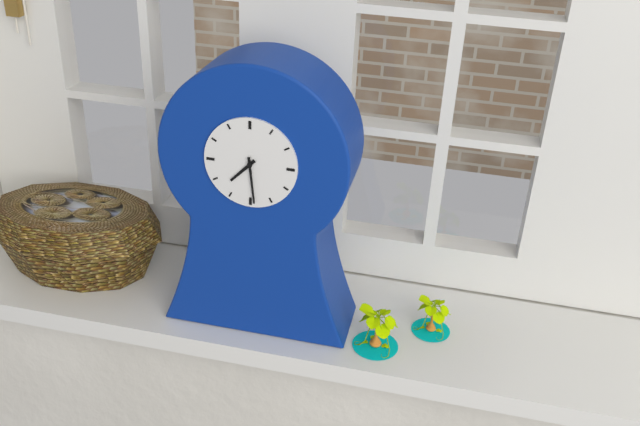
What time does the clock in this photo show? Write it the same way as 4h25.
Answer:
7h29
